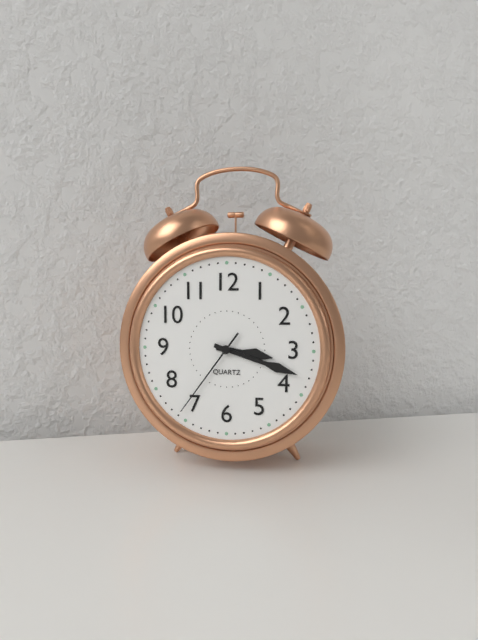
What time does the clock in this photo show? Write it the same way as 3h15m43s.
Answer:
3h18m36s
